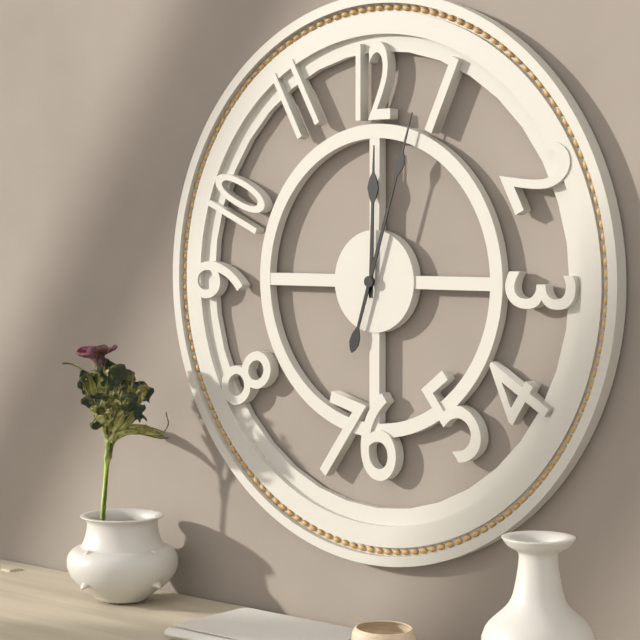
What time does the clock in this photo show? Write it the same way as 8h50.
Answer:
12h03
